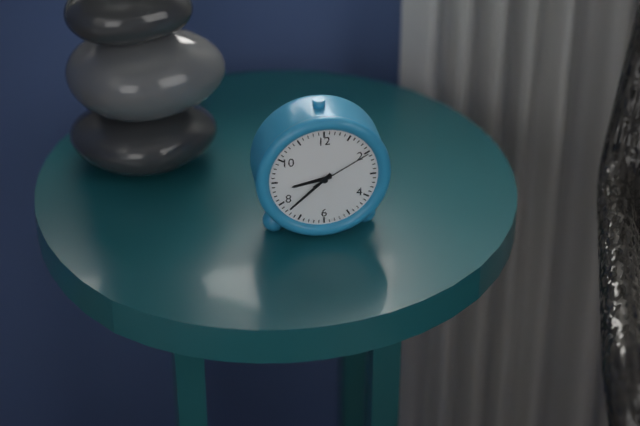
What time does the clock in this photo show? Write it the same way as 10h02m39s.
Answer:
8h38m10s
